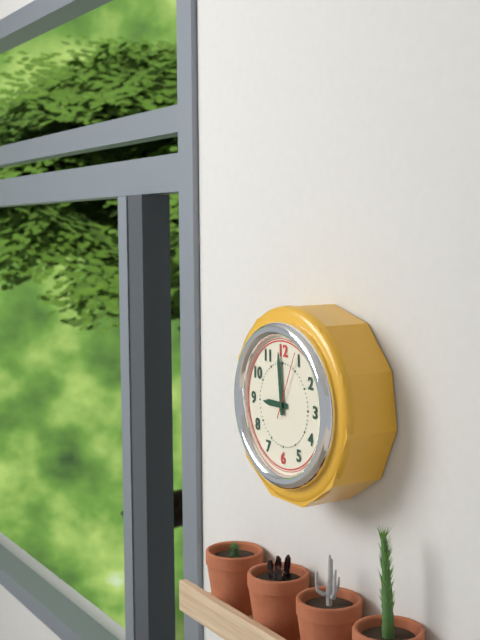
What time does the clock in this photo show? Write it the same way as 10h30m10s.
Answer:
8h59m04s
